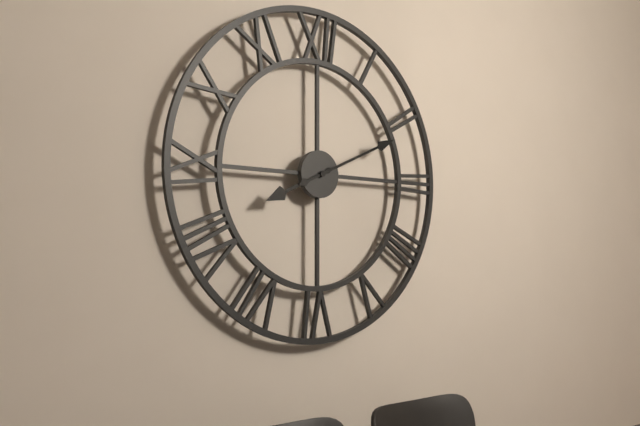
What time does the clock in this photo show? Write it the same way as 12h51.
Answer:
8h11
